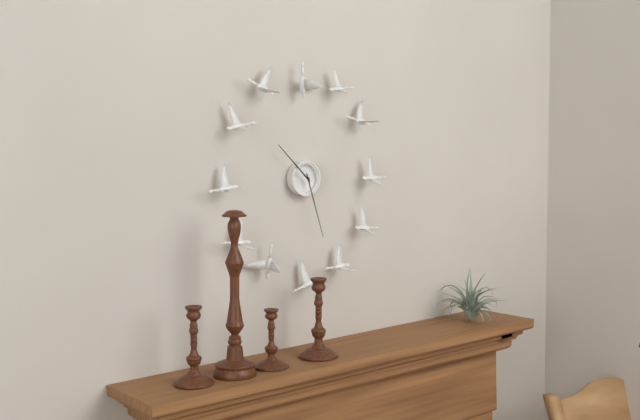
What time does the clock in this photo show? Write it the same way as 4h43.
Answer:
10h27
